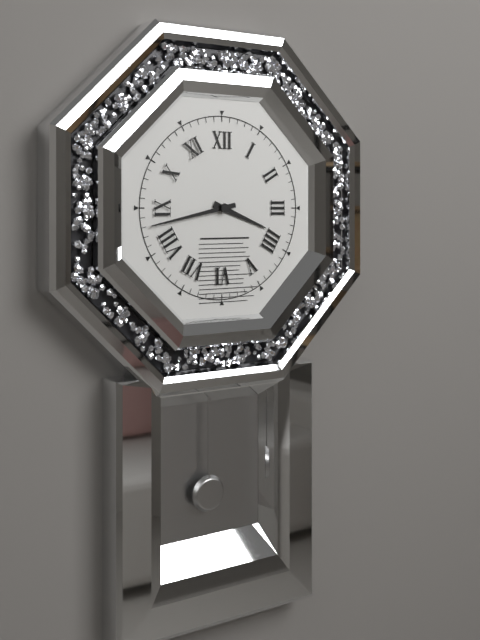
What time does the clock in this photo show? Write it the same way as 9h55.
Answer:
3h43
